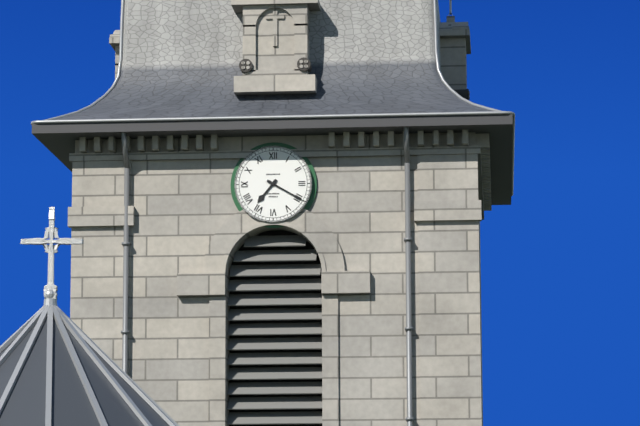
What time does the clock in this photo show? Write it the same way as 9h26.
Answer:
7h20
